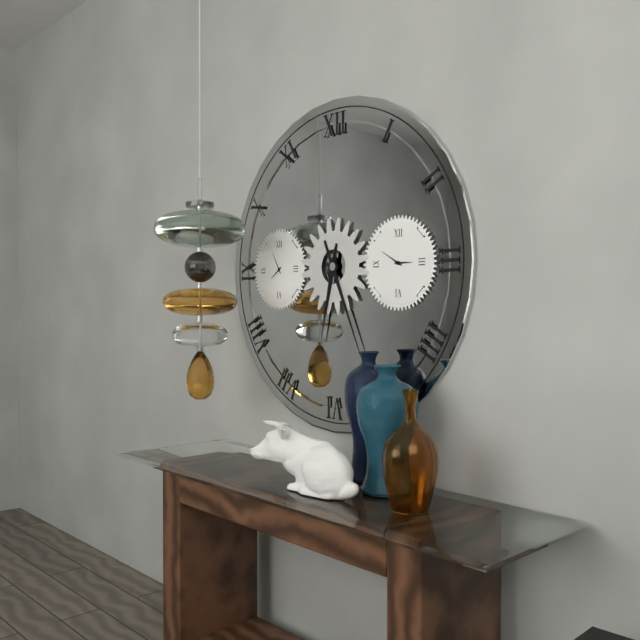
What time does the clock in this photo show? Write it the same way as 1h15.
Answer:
6h26
